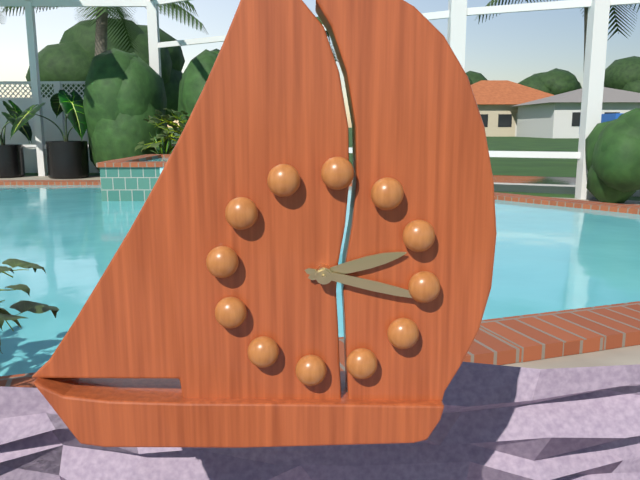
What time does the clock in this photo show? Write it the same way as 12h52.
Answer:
2h16
